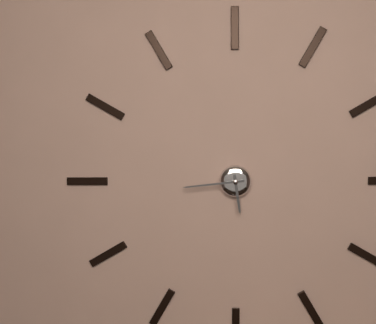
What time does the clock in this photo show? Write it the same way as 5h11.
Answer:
5h44
